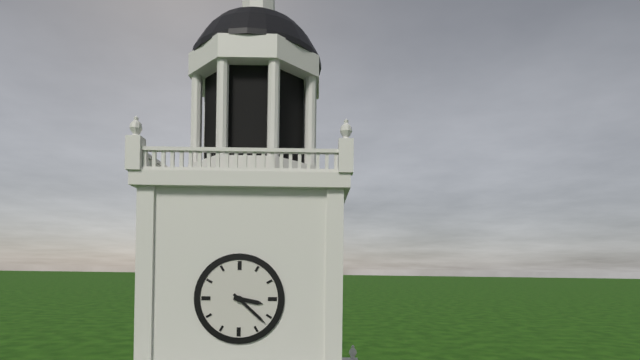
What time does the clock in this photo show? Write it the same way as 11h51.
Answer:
3h22
